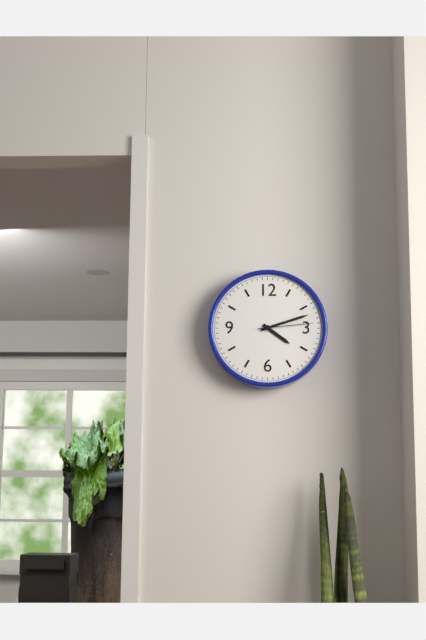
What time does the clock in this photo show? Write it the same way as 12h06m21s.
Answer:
4h12m14s
